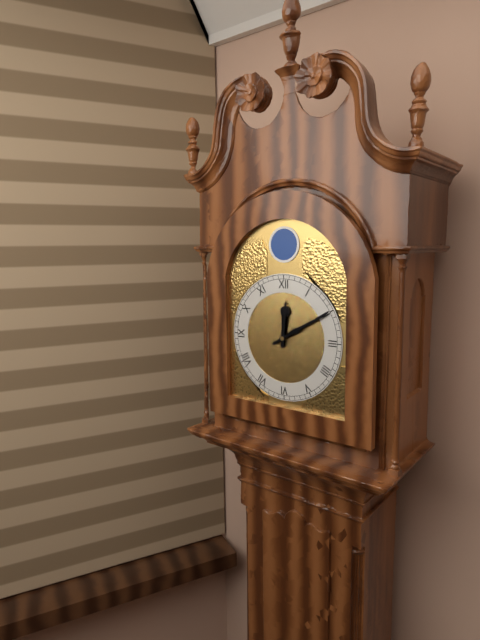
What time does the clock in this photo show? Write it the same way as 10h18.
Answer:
12h10
